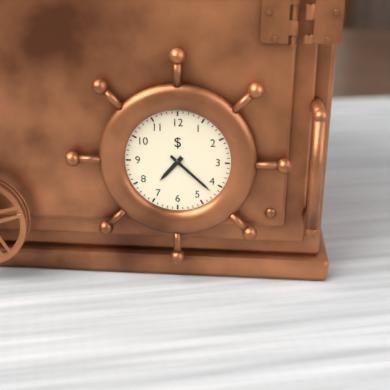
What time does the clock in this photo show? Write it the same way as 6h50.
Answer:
7h22
